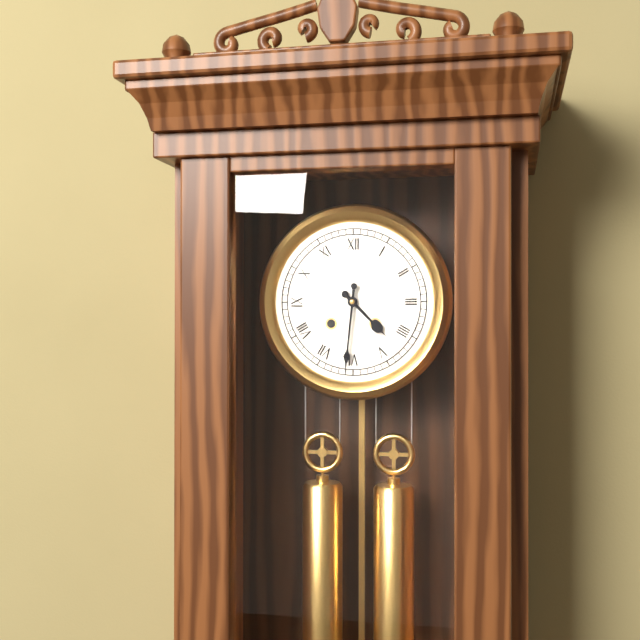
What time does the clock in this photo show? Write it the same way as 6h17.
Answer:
4h31
